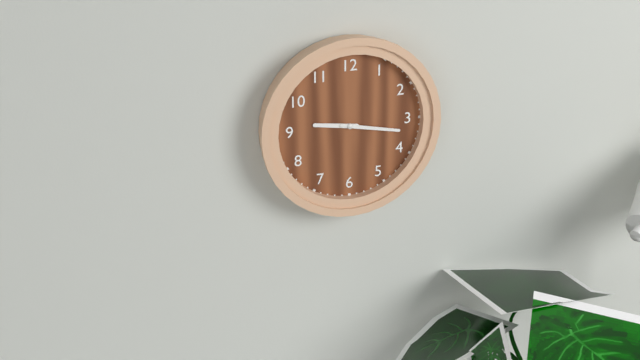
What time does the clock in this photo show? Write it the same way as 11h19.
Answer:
9h17
